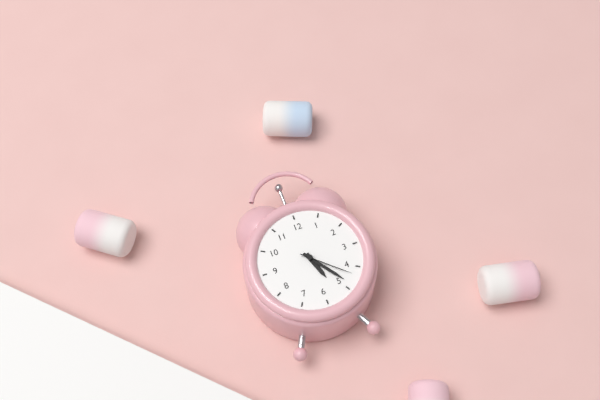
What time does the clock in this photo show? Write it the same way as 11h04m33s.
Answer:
5h24m22s
